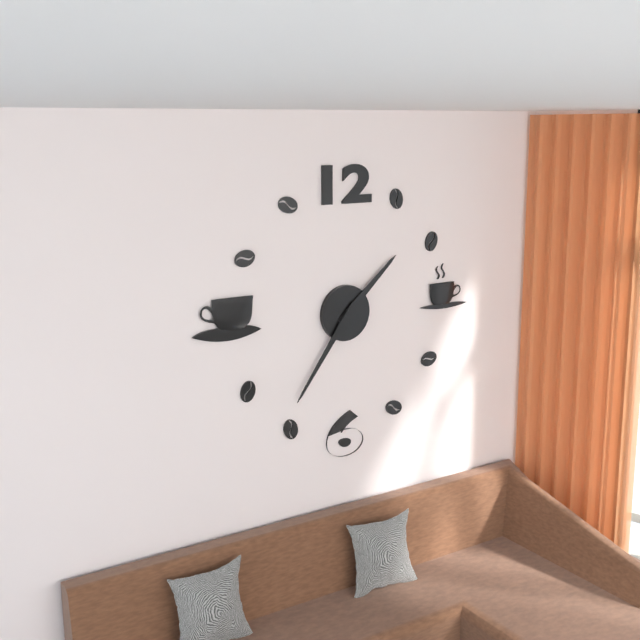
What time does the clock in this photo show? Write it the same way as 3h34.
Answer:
1h36
